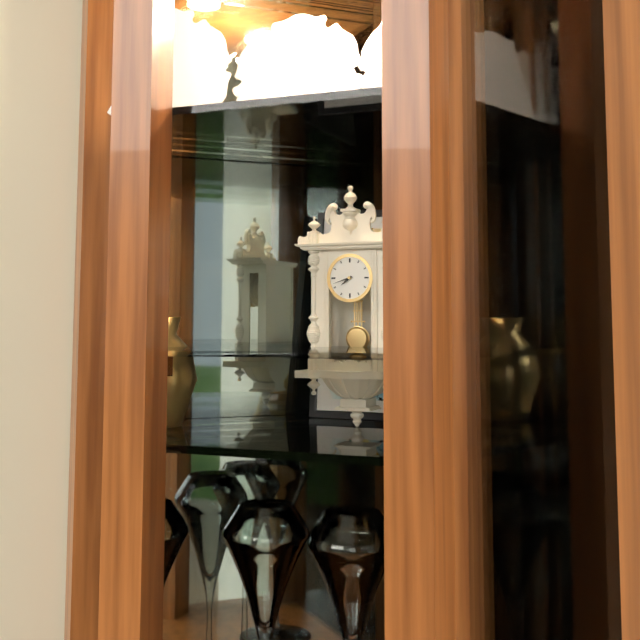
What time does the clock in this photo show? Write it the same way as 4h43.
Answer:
7h42
